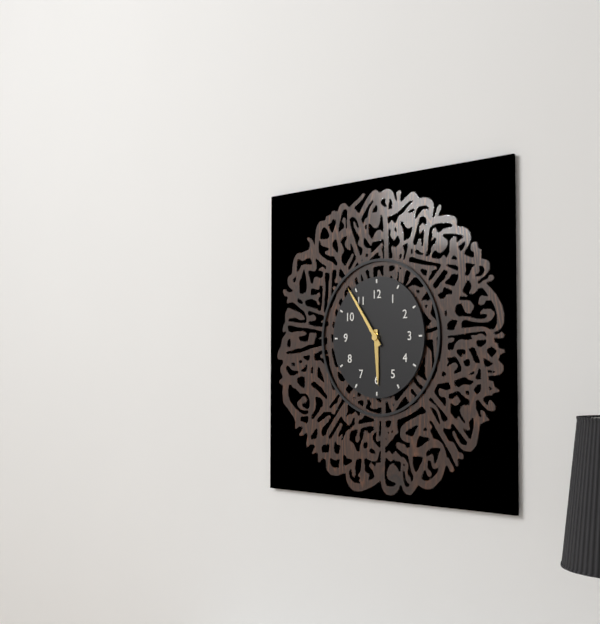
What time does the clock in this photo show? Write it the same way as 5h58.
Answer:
5h54
